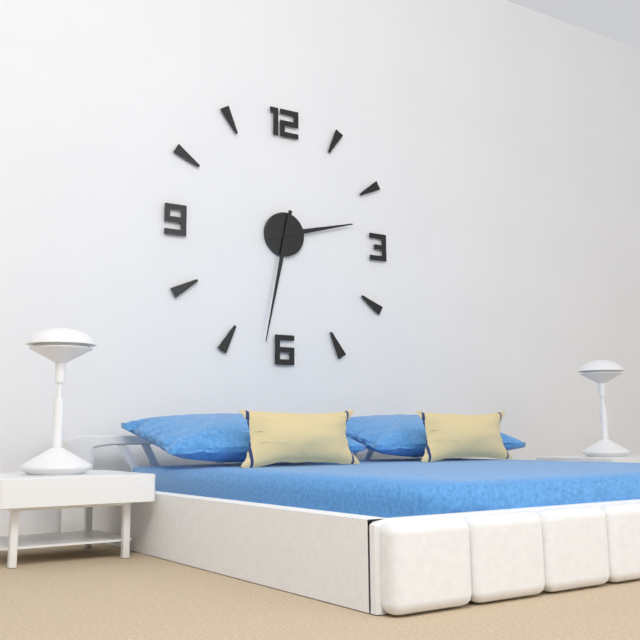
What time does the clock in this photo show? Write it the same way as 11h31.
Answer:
2h32
